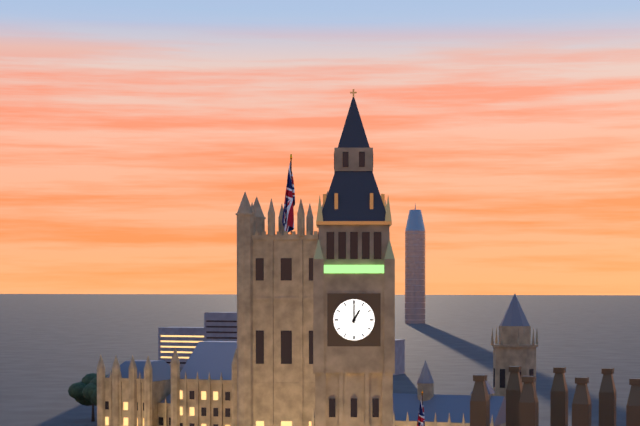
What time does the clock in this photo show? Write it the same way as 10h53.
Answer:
1h00
